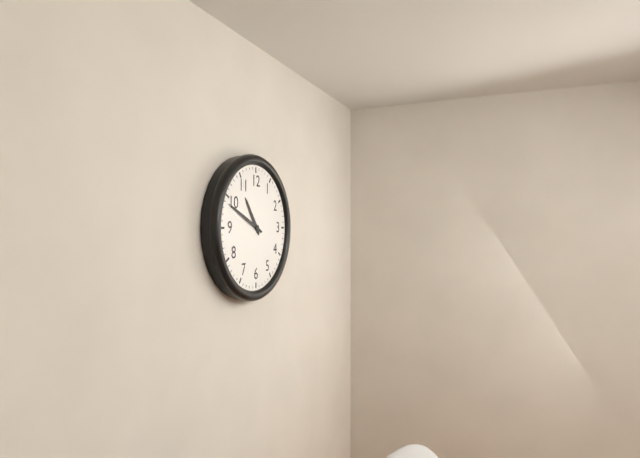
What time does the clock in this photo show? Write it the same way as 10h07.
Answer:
10h49
